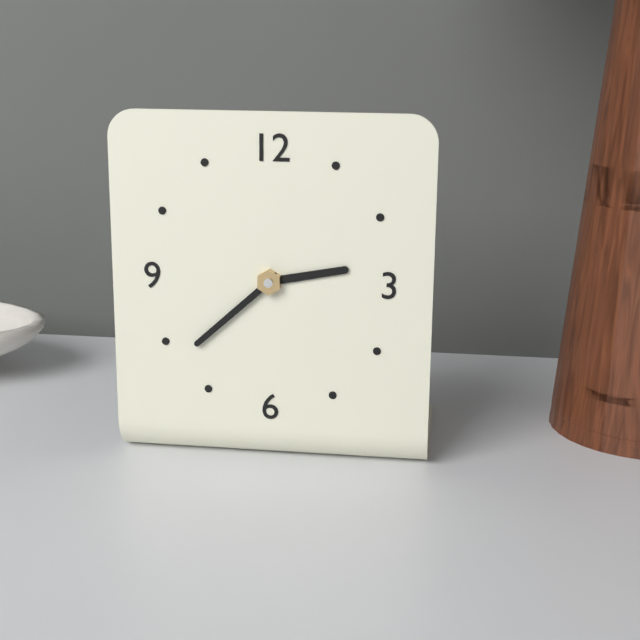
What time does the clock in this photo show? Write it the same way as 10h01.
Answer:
2h38
